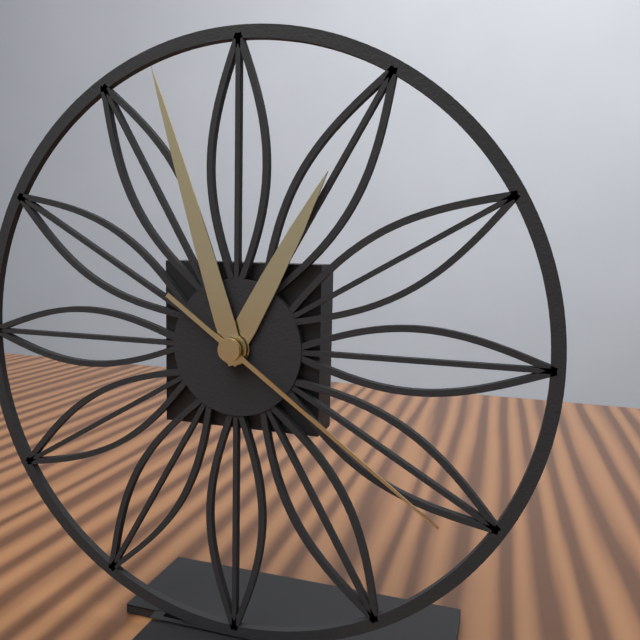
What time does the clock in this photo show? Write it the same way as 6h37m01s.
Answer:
12h57m21s
